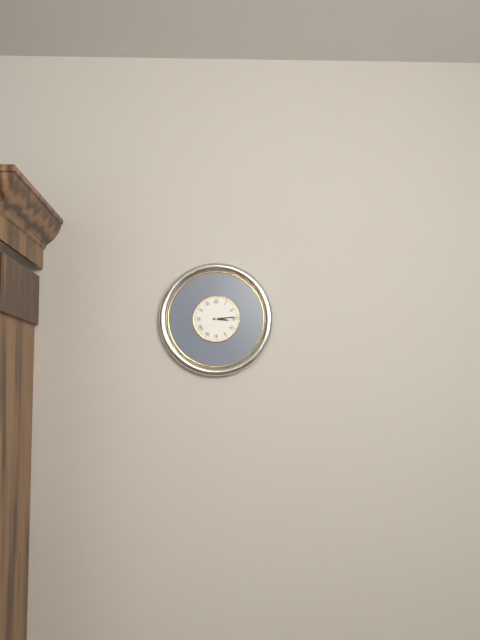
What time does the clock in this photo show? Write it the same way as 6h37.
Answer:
3h14
